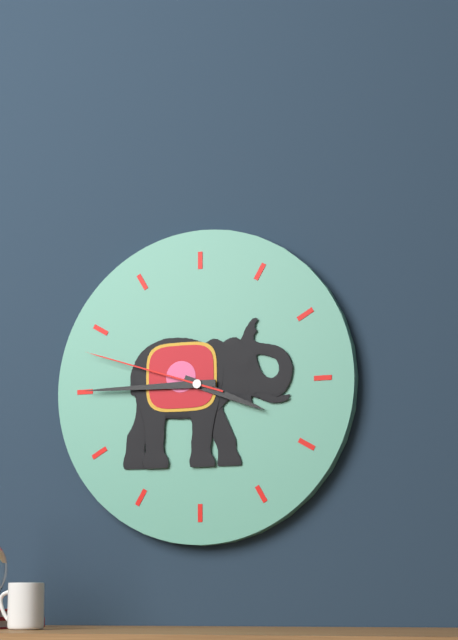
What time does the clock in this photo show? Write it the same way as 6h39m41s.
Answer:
3h45m48s
